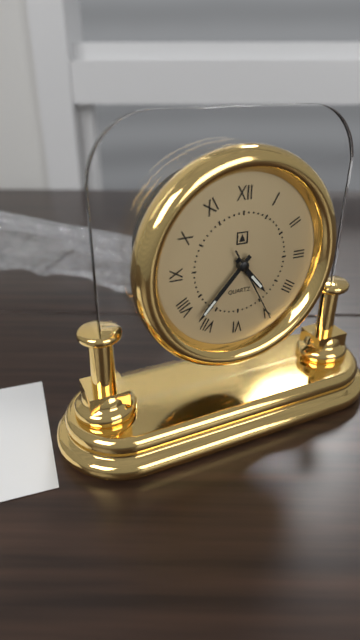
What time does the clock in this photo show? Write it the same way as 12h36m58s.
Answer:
4h37m25s
